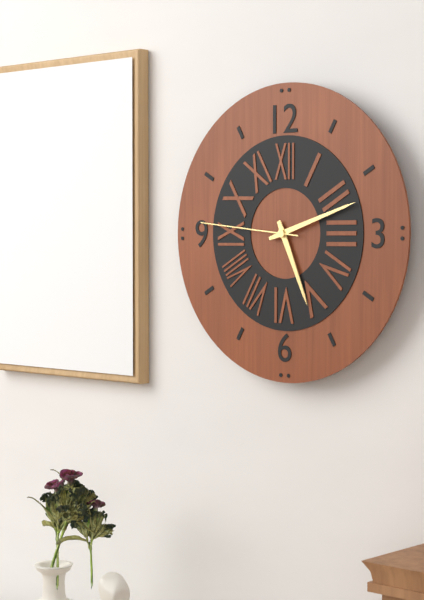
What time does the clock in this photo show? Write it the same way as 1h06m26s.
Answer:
5h12m46s
